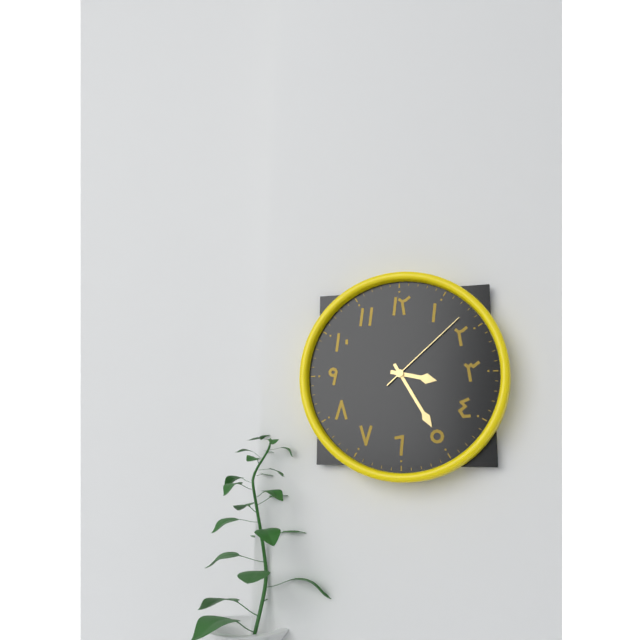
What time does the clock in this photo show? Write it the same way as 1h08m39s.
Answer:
3h25m08s
